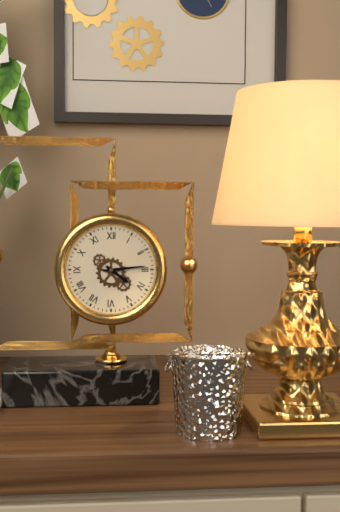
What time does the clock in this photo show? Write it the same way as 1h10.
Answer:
4h14
